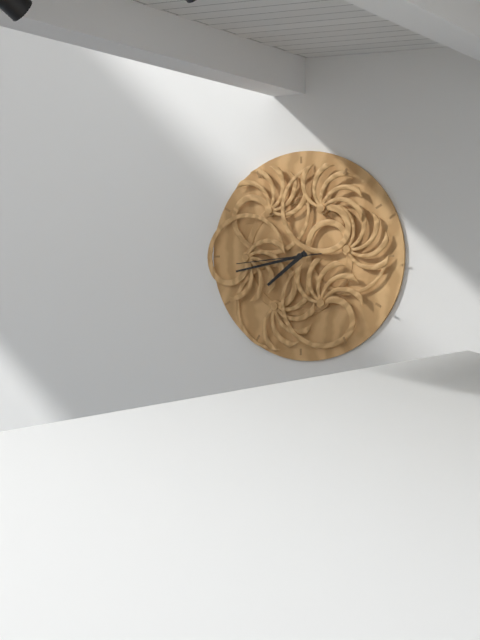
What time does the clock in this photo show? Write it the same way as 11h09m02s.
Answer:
7h43m44s
